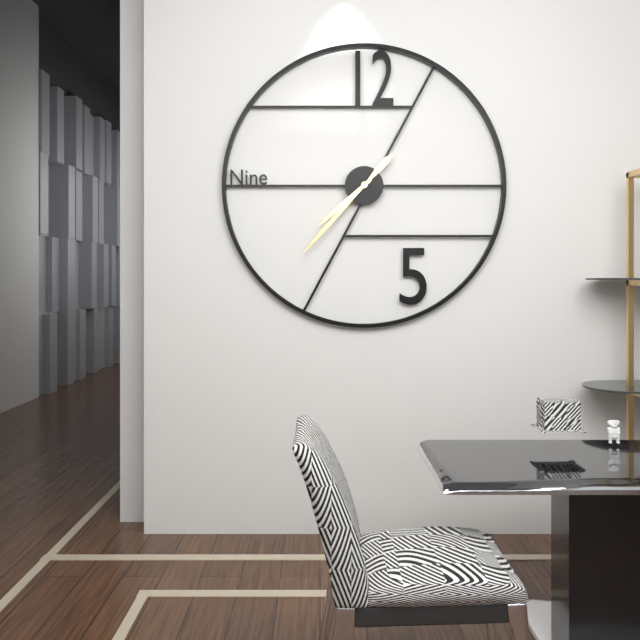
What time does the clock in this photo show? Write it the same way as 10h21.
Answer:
7h37
